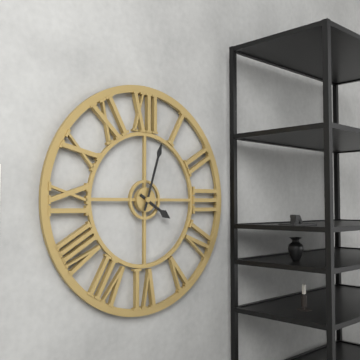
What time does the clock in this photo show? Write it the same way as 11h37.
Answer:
4h03
